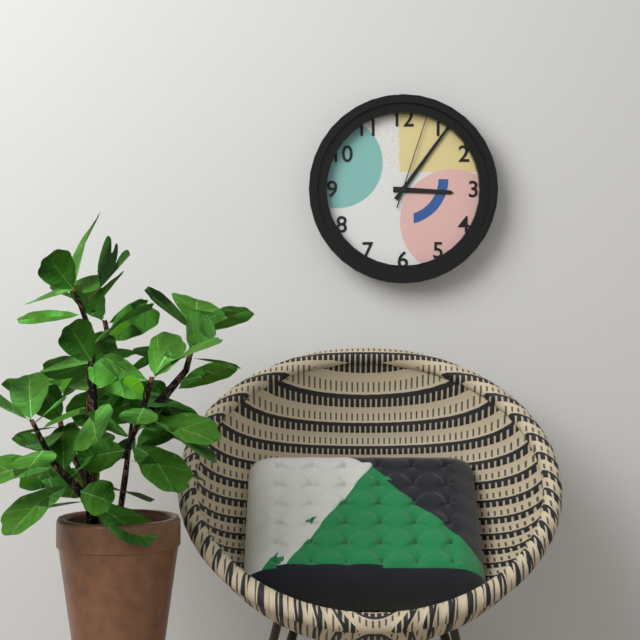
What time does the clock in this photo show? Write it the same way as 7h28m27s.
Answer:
3h06m03s
